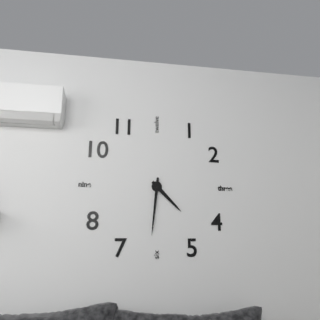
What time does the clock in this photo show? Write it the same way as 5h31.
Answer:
4h31
